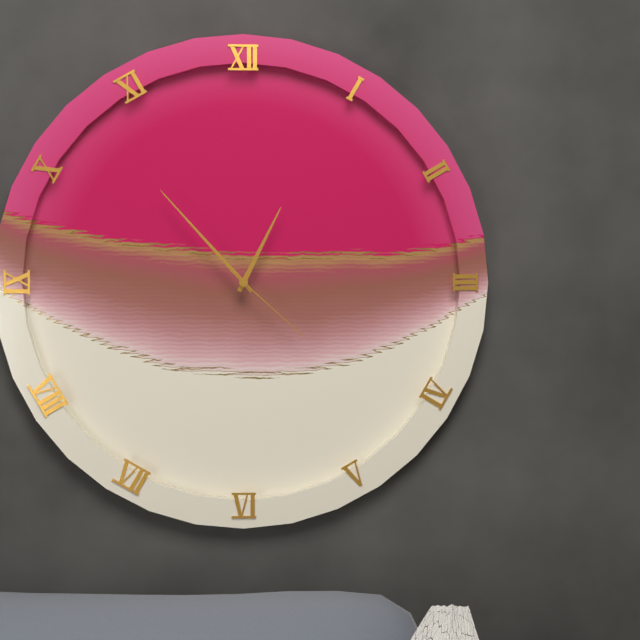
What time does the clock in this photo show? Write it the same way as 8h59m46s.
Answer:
12h53m22s
